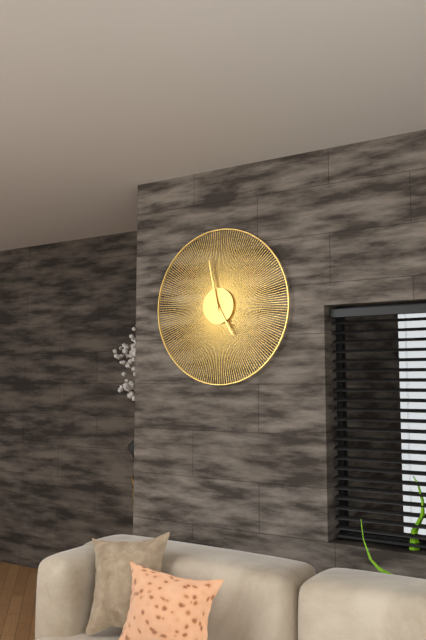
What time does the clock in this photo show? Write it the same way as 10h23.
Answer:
4h58
